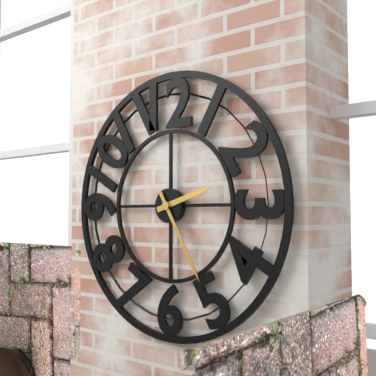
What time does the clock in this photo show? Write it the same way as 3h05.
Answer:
2h25
